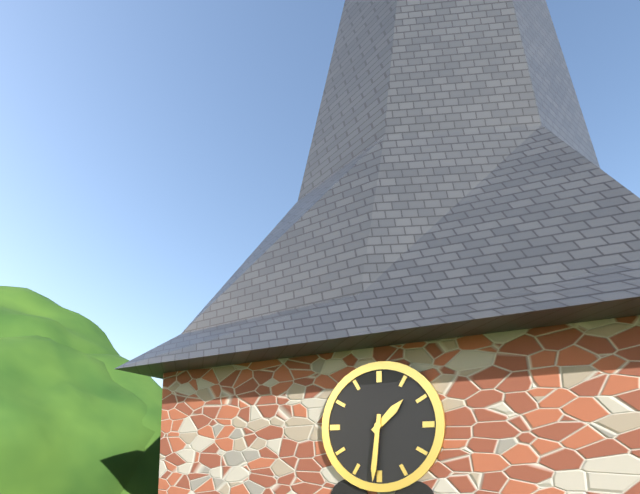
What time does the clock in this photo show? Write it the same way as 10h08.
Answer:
1h31
